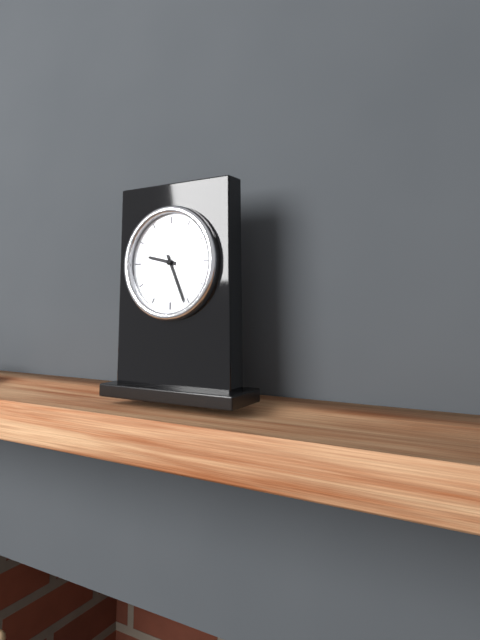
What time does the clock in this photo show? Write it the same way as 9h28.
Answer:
9h26
